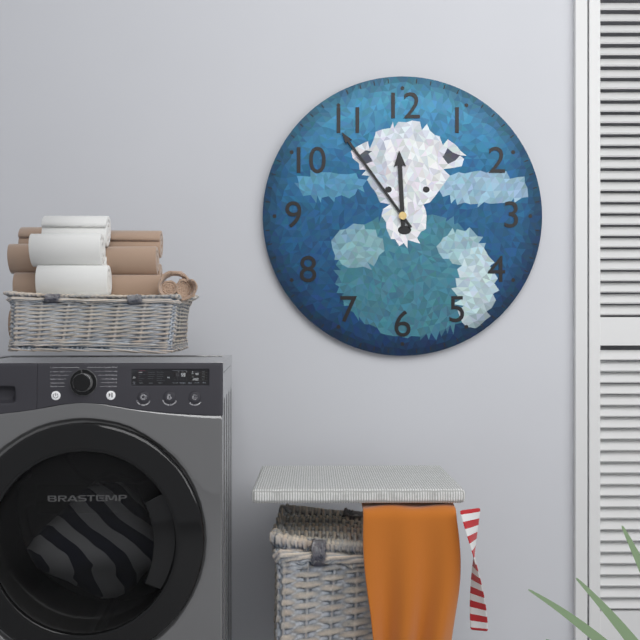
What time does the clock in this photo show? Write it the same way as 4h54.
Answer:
11h54
